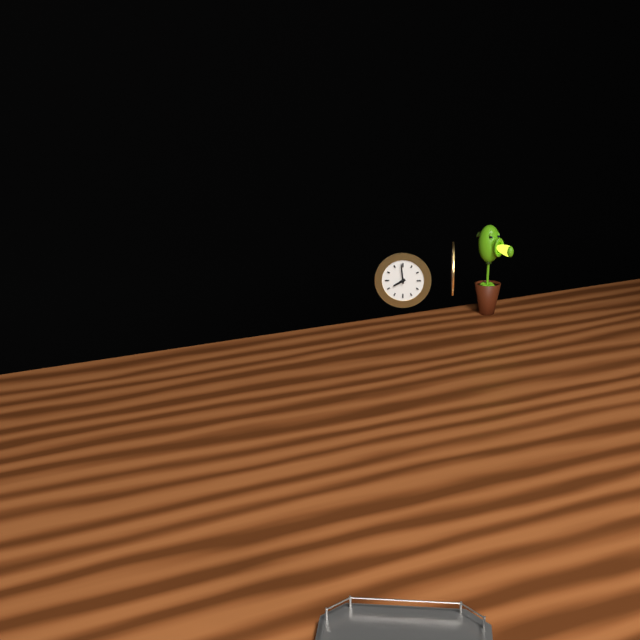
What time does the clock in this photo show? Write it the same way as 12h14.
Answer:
7h59
